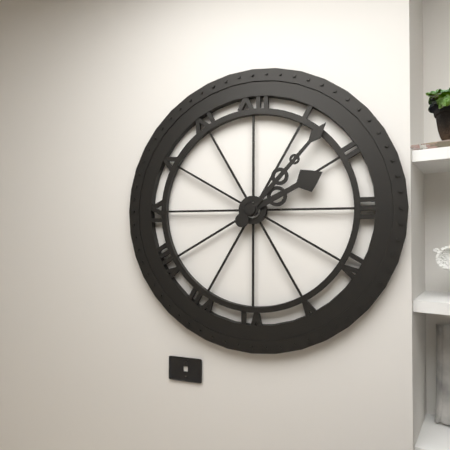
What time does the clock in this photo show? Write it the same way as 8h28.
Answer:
2h07
